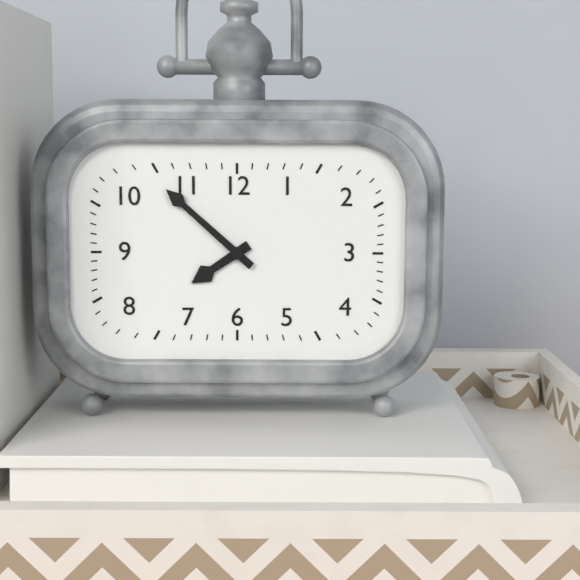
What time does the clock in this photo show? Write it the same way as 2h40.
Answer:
7h52
